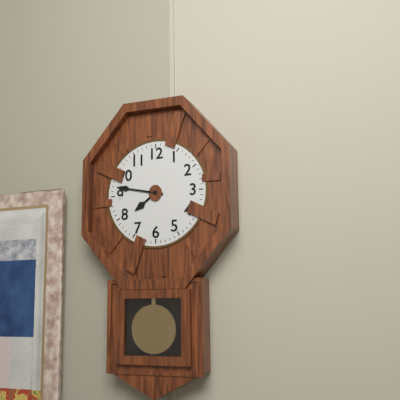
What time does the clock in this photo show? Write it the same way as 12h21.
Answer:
7h47
